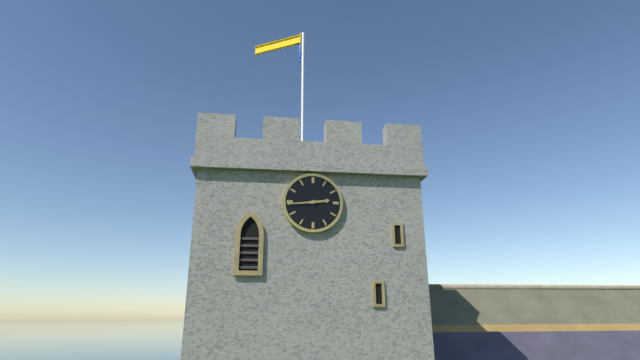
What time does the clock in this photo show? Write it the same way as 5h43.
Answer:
2h44
